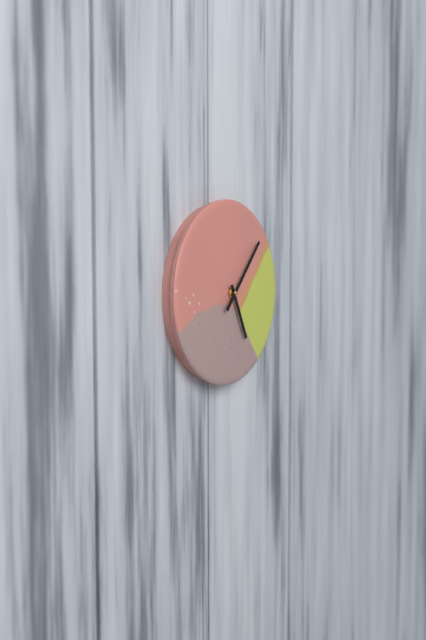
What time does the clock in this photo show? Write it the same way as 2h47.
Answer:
5h07
